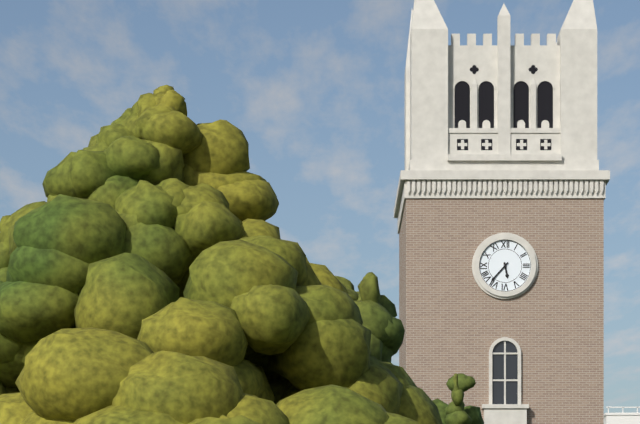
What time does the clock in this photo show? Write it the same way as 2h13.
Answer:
5h37
